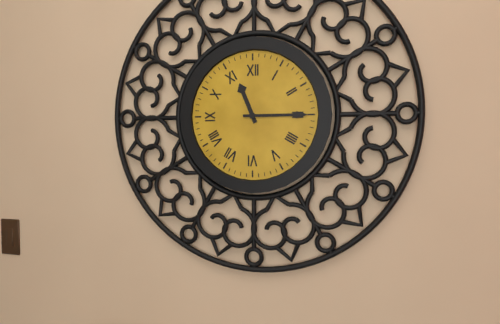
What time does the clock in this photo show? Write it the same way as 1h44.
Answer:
11h15
